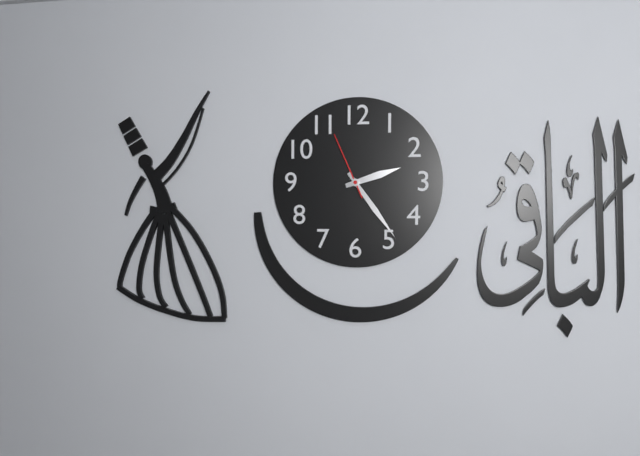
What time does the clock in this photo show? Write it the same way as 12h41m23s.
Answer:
2h24m56s
